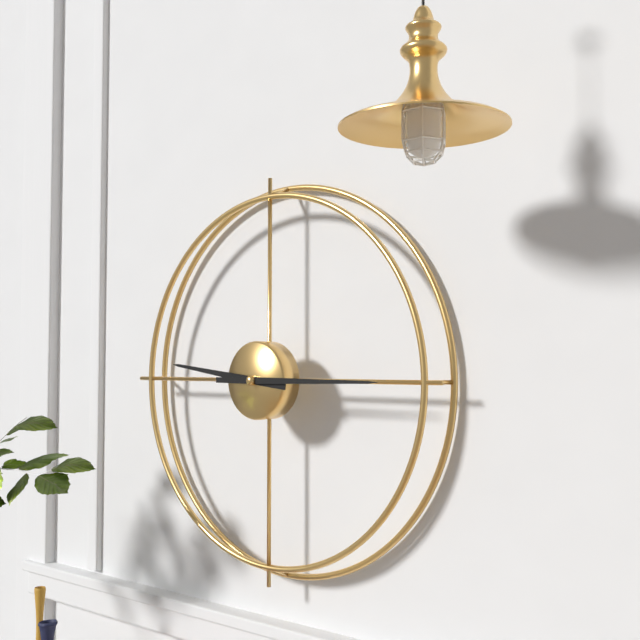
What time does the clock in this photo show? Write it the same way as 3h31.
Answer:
9h15
